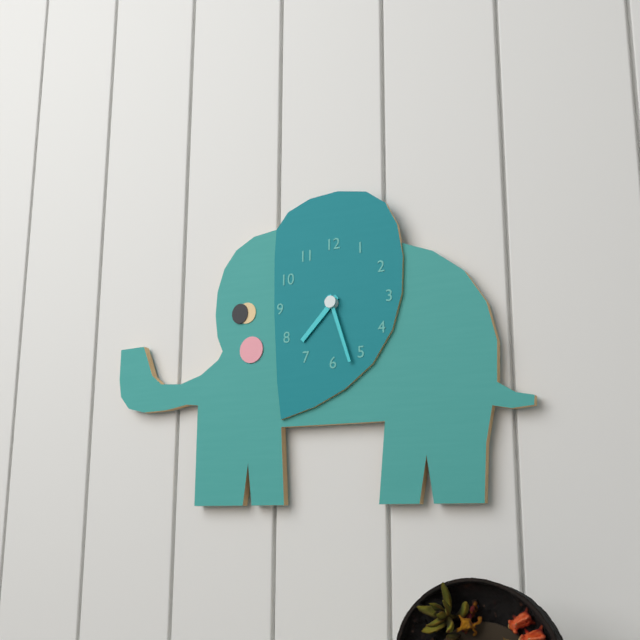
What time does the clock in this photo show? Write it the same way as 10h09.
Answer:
7h27
